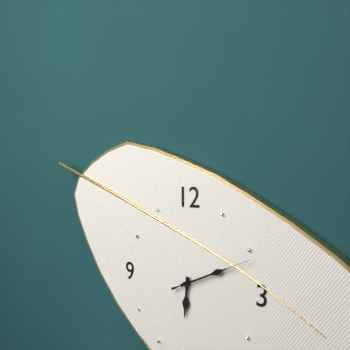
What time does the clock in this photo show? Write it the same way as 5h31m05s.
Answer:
6h11m11s
